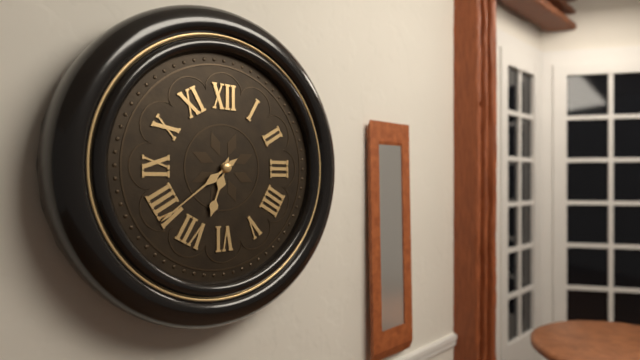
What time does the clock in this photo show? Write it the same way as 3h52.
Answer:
6h39
